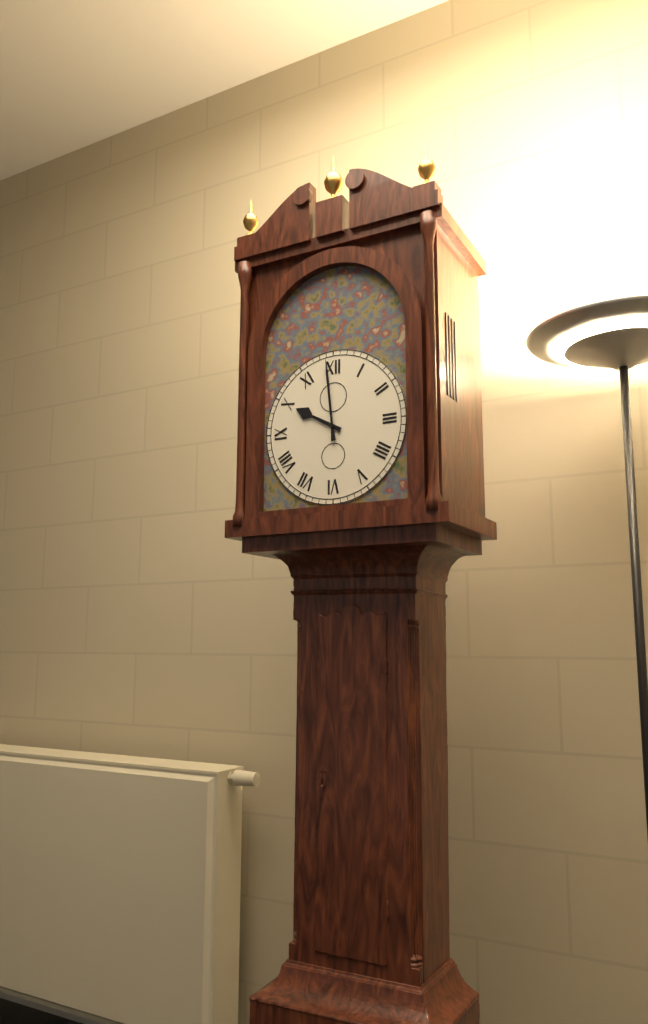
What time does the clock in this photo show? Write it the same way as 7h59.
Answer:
9h59
